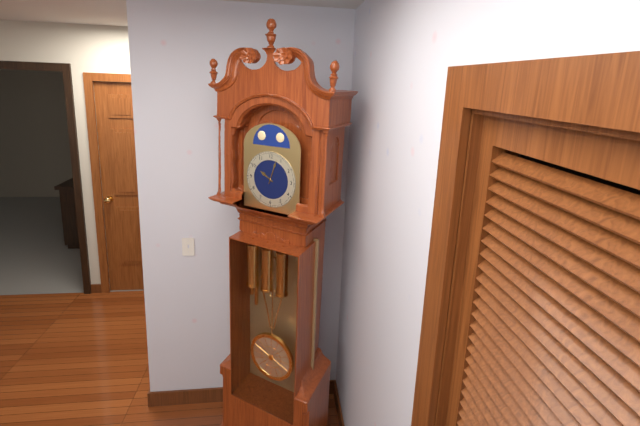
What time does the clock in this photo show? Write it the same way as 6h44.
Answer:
10h03
